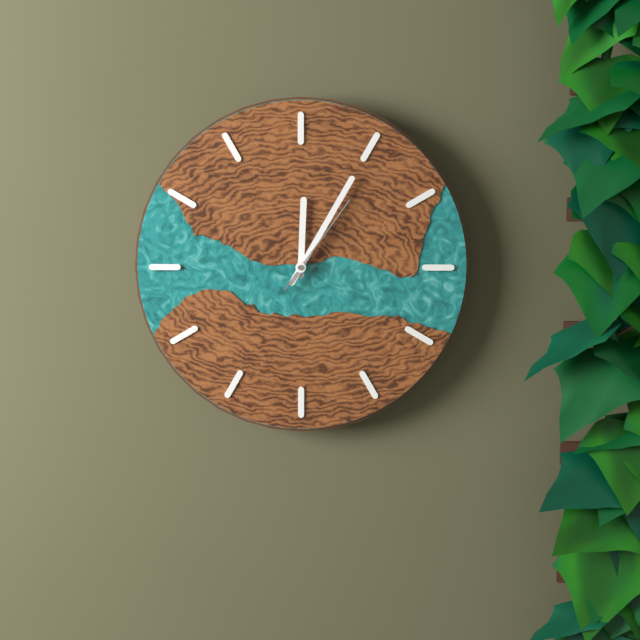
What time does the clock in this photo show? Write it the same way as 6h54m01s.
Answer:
12h05m06s
